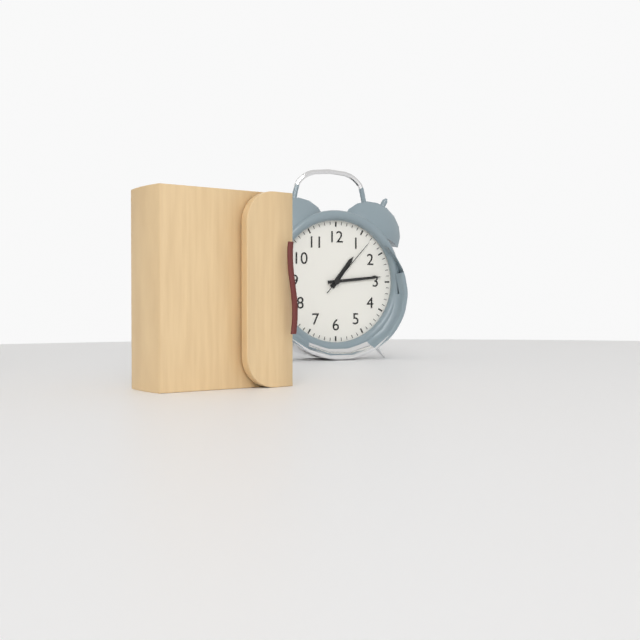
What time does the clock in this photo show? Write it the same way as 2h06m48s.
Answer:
1h14m07s
